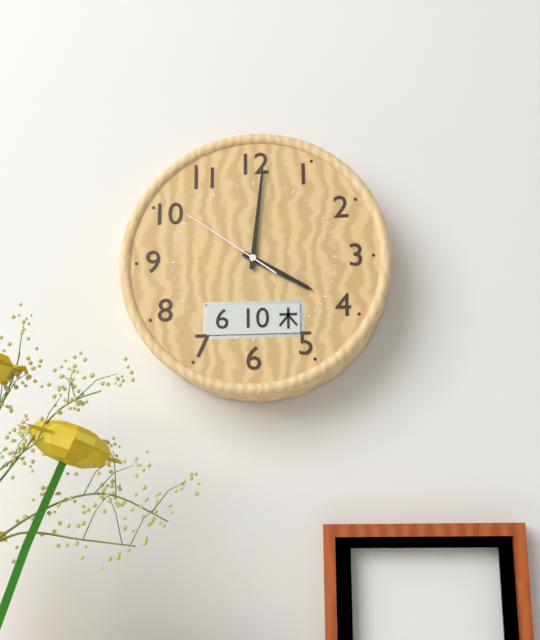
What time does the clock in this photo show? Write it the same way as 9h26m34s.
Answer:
4h01m51s
